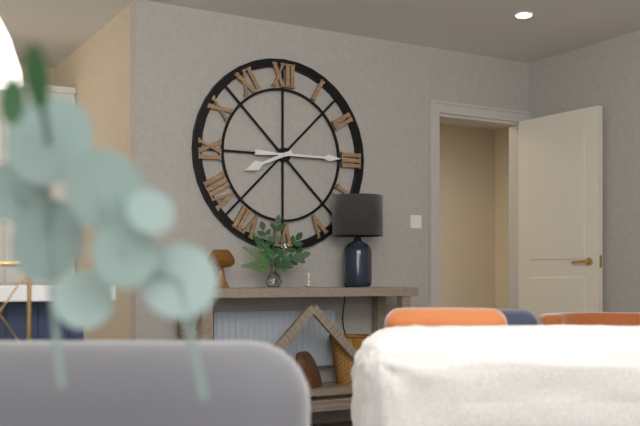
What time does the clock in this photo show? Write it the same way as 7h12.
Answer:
8h15
